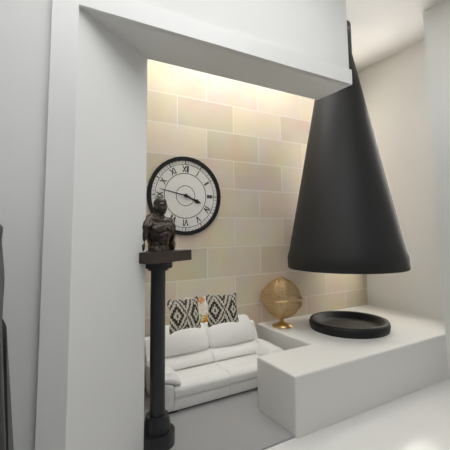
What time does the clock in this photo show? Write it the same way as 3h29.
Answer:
3h47
